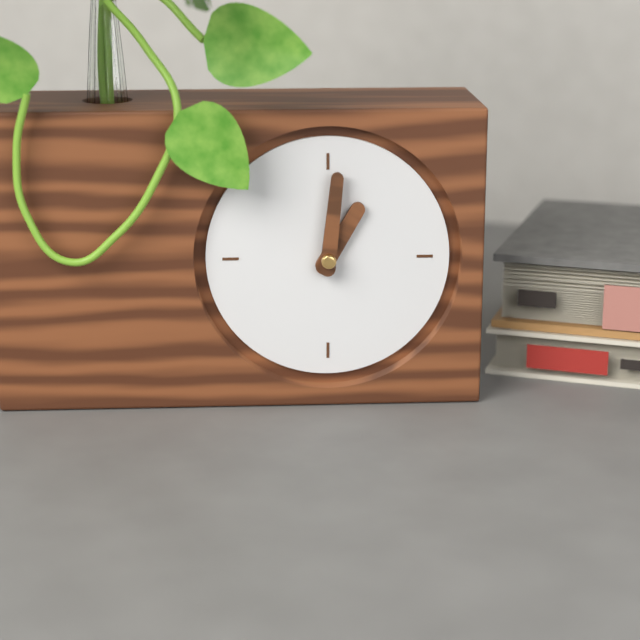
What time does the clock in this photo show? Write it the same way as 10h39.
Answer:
1h01
